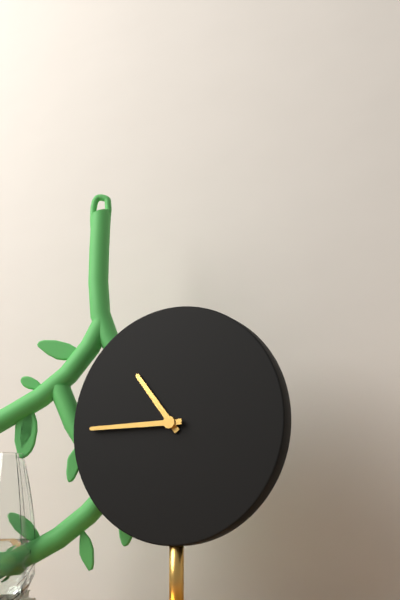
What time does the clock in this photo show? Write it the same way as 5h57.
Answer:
10h45
